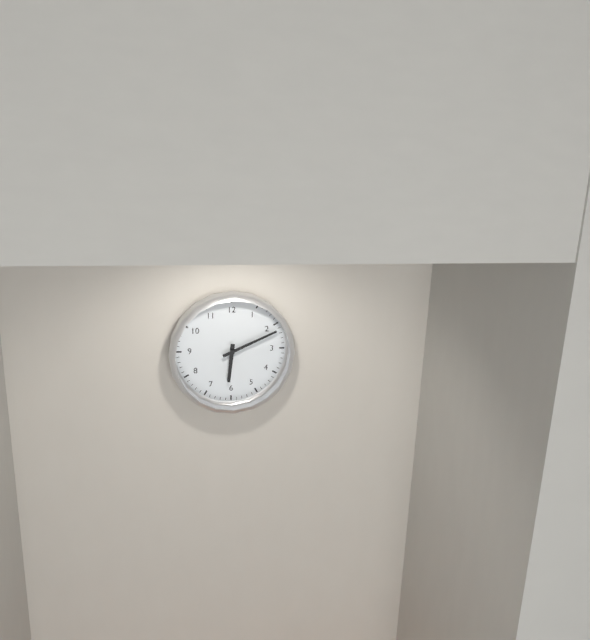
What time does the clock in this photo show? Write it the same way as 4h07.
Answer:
6h11
